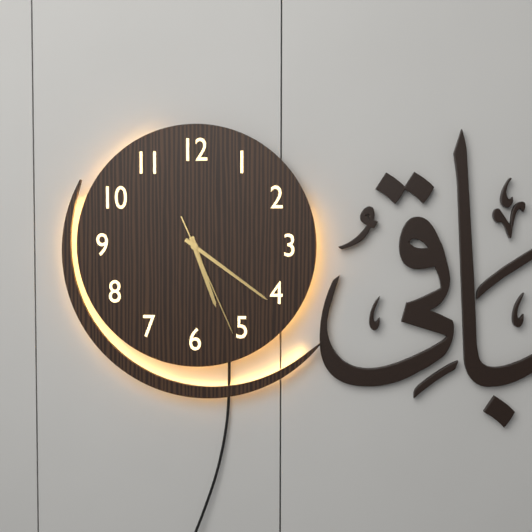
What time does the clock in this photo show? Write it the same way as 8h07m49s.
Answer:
5h21m26s
